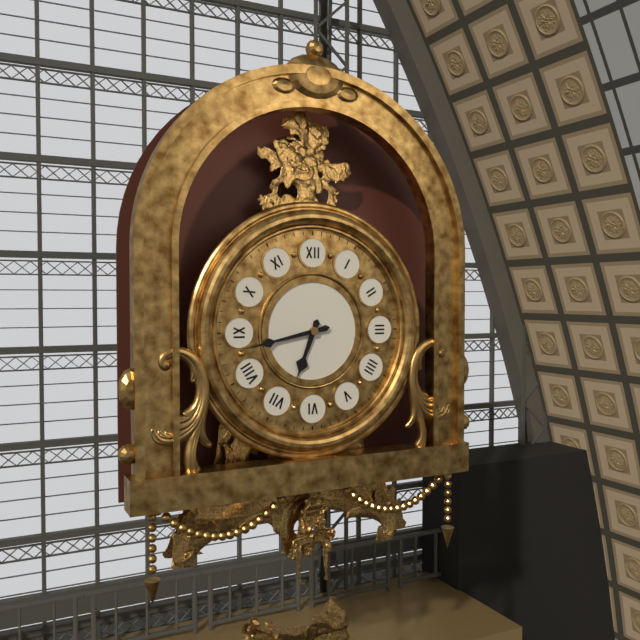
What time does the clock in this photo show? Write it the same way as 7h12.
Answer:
6h43
